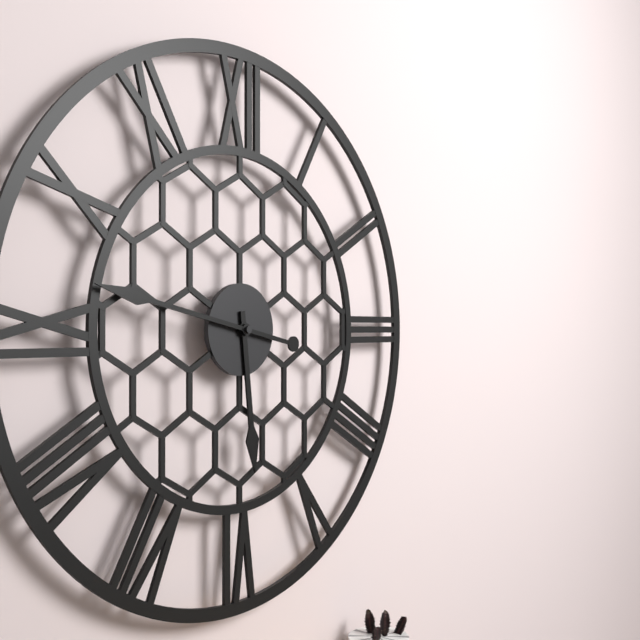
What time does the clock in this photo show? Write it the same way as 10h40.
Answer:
5h47
